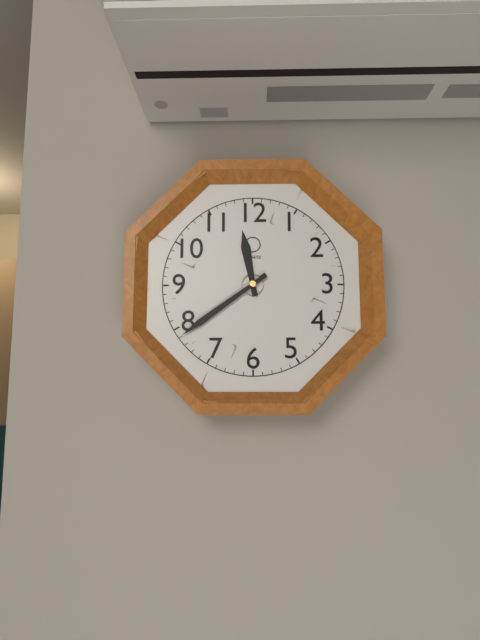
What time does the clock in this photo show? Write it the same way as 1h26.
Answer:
11h39
